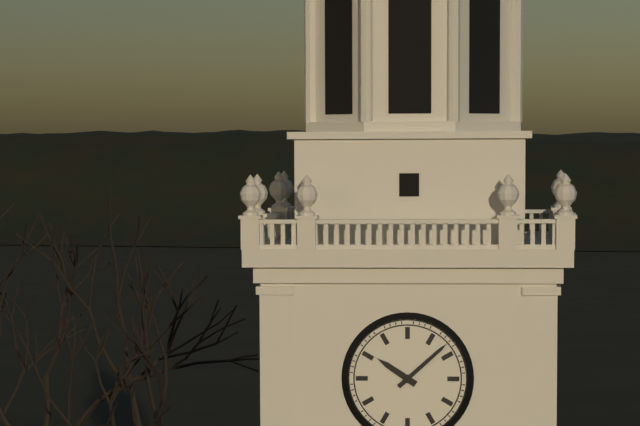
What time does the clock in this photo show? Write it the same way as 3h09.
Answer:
10h08
